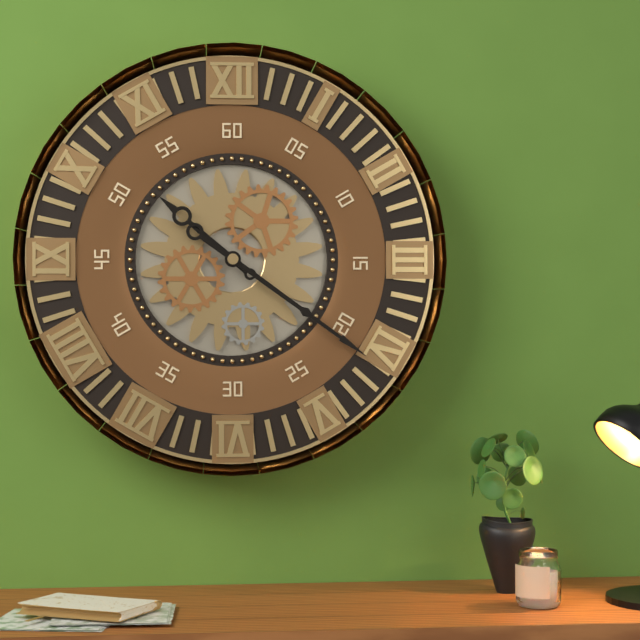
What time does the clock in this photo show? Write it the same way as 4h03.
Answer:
10h21
